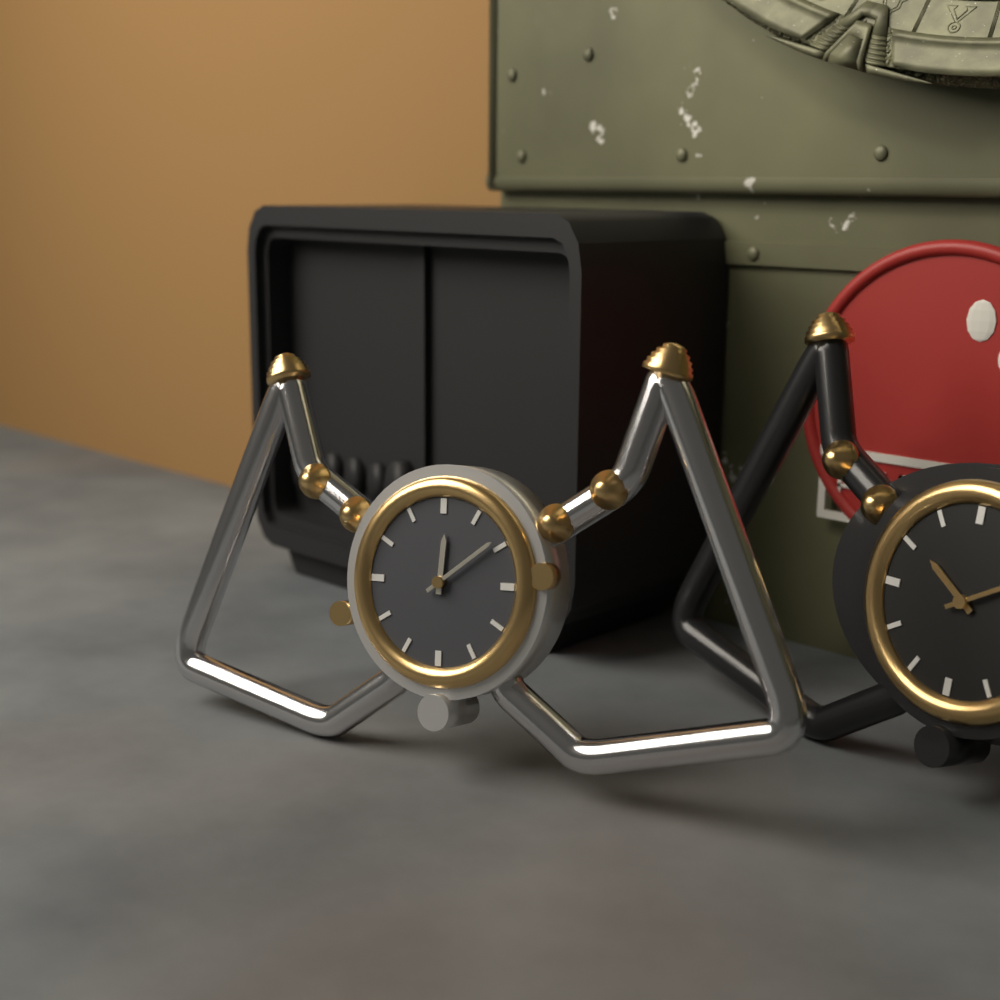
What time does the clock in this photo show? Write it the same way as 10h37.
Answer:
12h09
